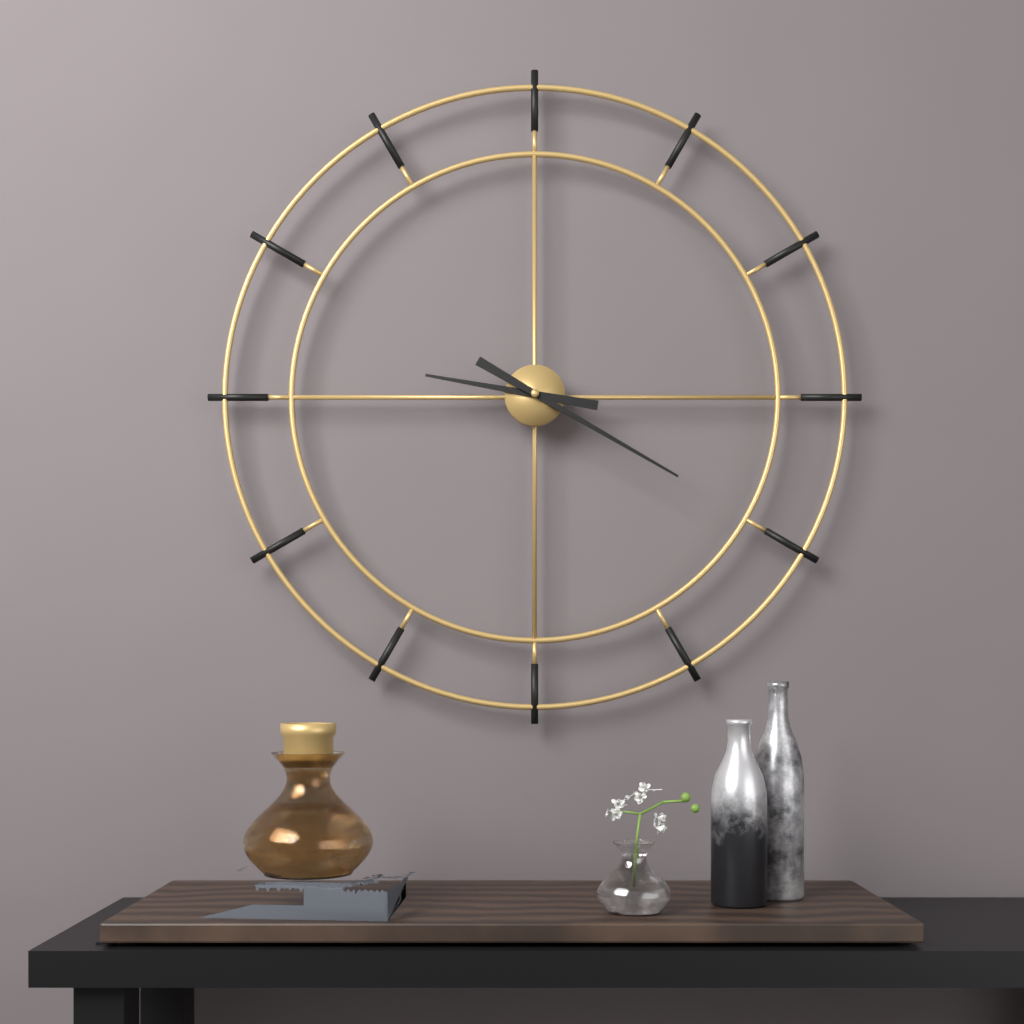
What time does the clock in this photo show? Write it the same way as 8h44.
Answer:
9h20
